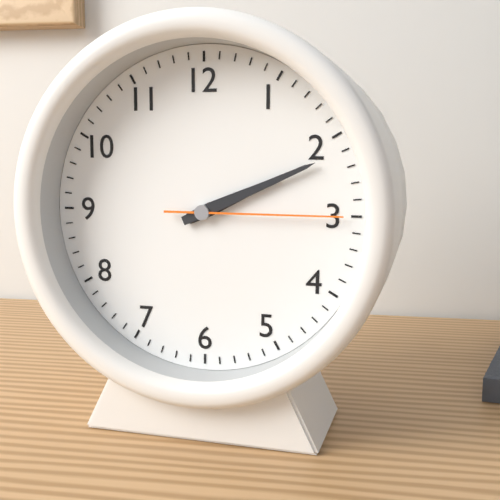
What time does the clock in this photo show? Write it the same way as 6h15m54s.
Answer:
2h11m15s
